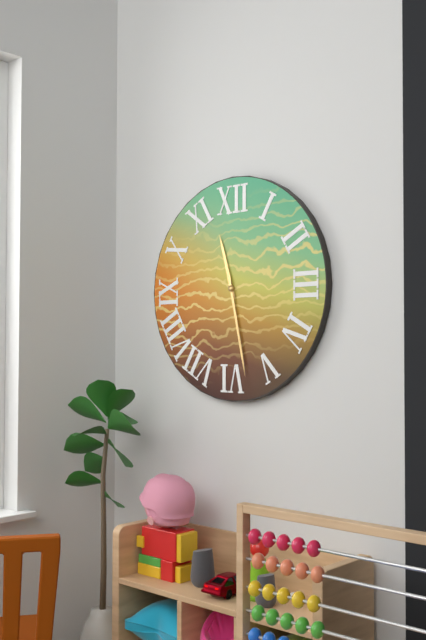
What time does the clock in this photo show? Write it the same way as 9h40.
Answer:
11h28
